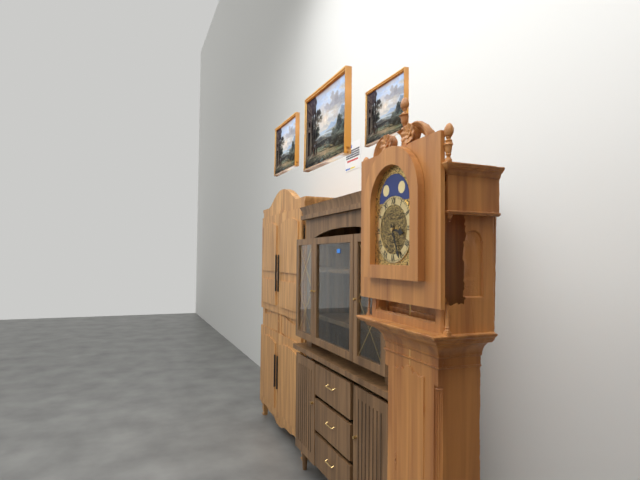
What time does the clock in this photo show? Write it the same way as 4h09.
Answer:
3h26
